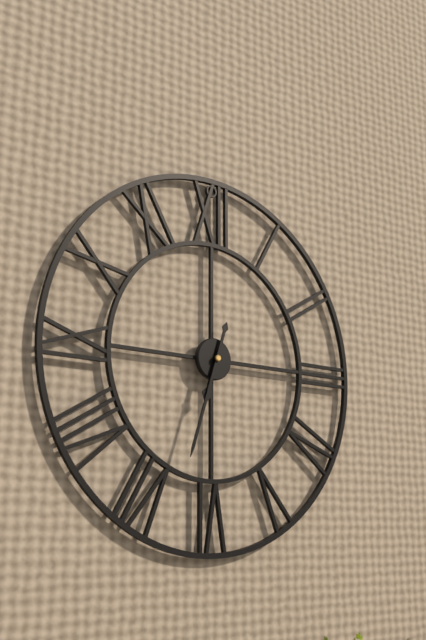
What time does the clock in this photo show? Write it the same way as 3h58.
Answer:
6h33
